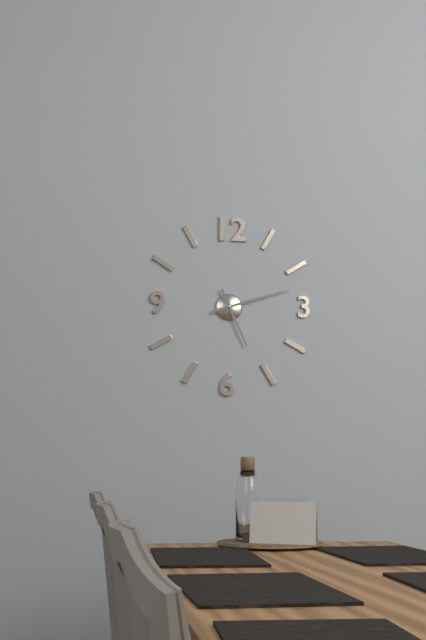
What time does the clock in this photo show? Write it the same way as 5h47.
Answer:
5h12
